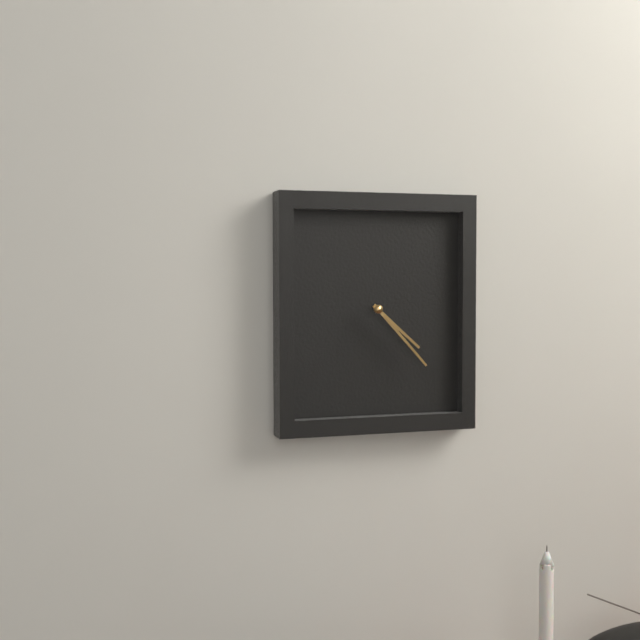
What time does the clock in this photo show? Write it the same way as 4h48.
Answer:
4h23
